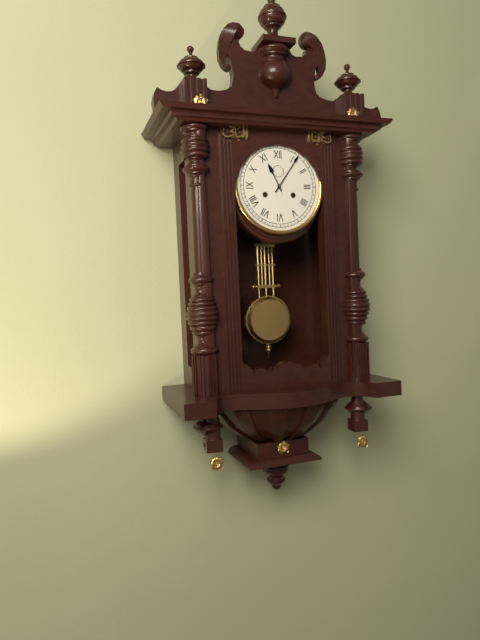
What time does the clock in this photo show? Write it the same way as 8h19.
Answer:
11h06
